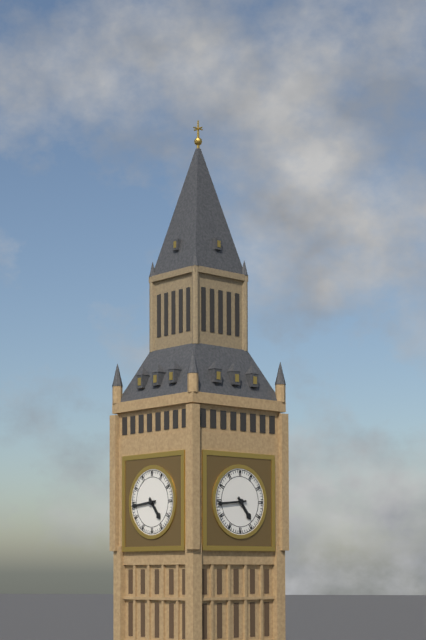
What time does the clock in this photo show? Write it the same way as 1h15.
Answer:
4h44
